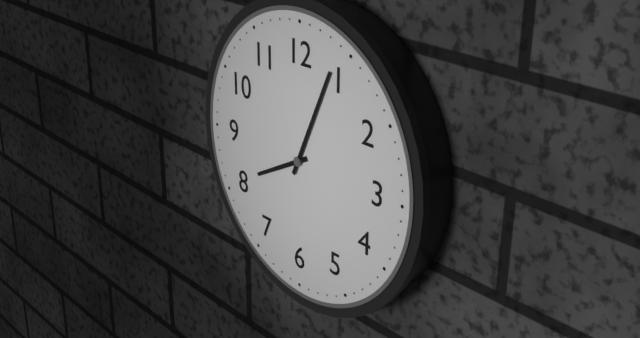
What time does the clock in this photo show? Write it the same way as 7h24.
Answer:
8h04
